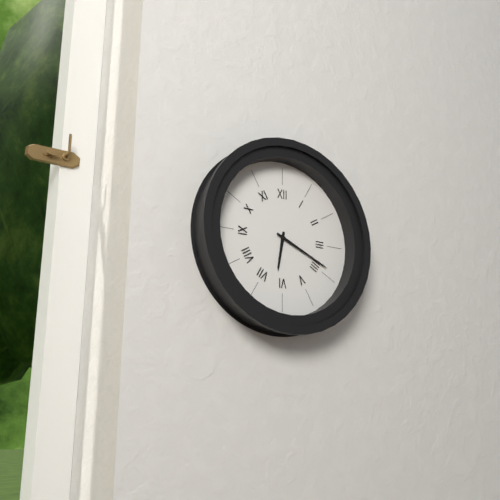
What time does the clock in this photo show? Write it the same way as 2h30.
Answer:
6h19
